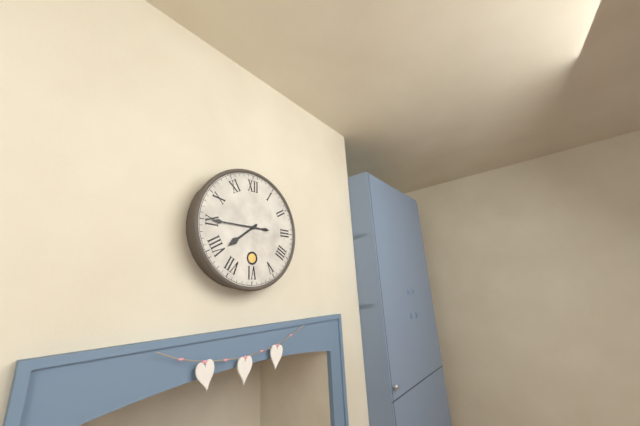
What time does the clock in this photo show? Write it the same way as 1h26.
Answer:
7h45
